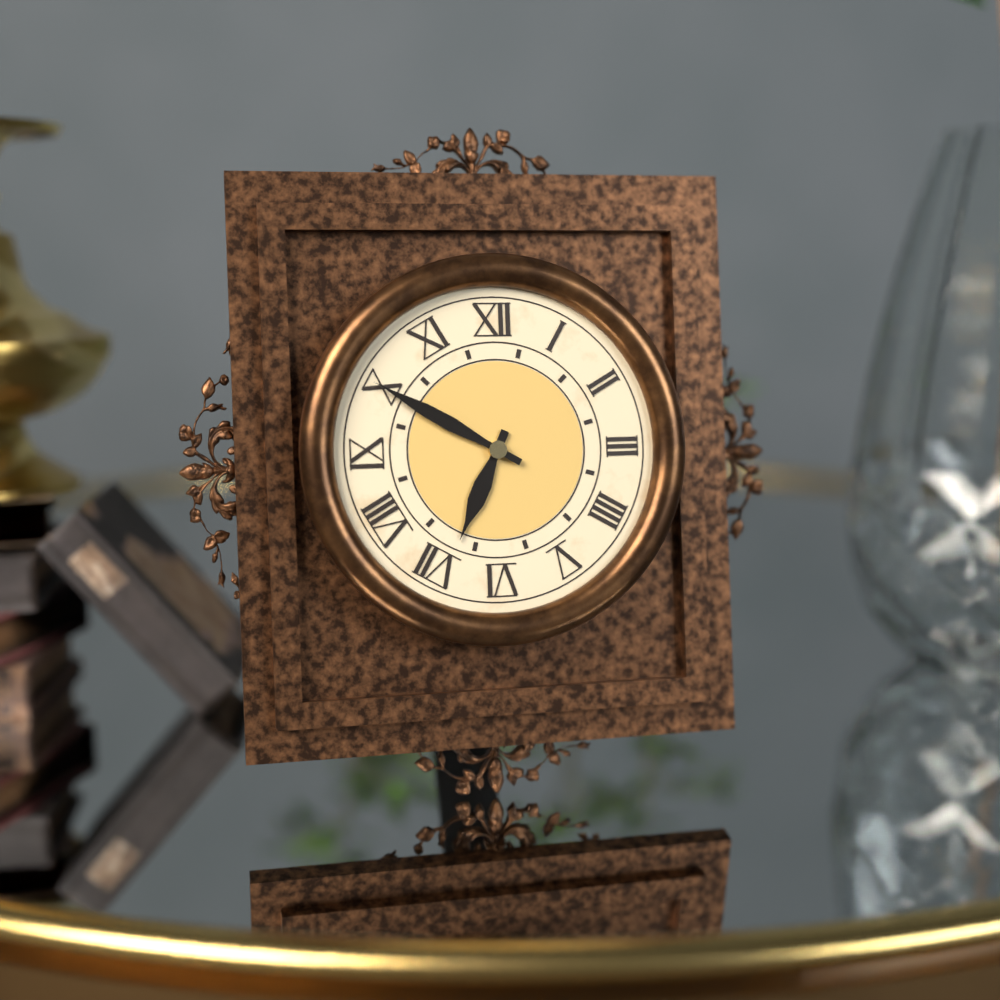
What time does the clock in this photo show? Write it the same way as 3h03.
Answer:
6h50
